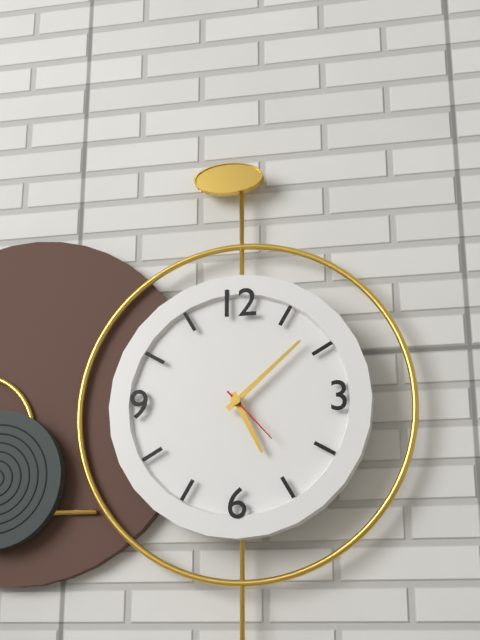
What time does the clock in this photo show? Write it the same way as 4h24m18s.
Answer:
5h08m23s
